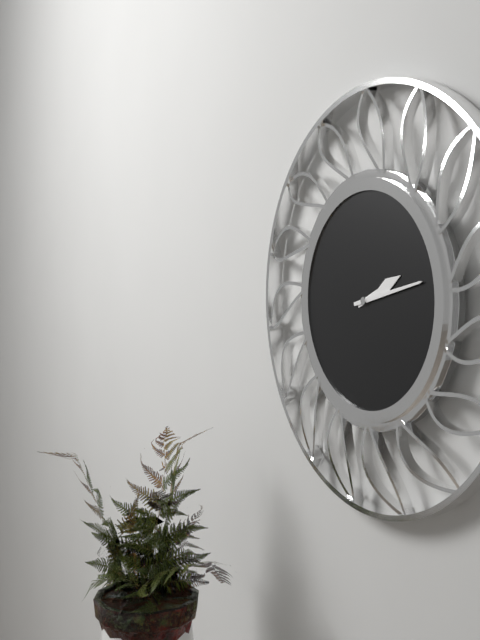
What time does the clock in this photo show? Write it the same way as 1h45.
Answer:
2h13
